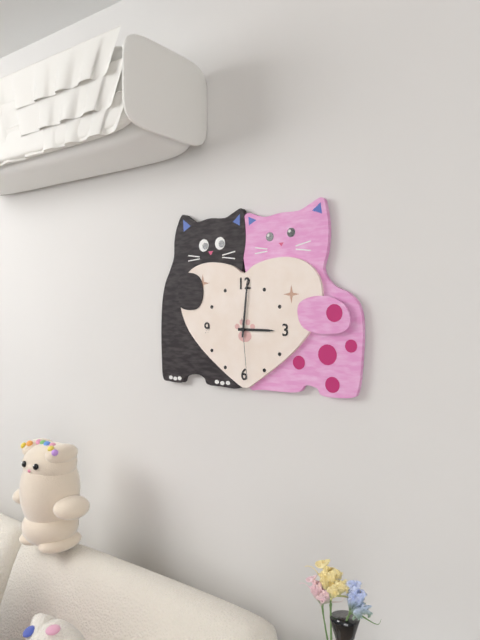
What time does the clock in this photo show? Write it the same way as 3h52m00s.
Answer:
3h01m29s
